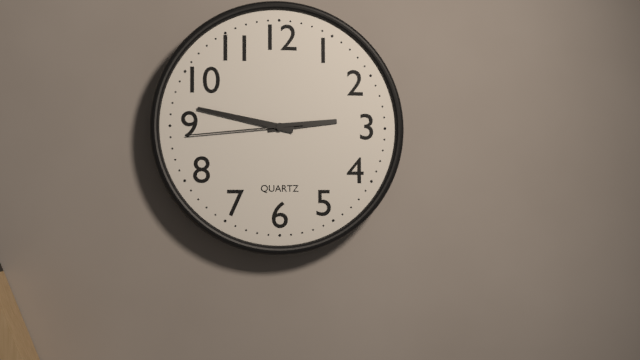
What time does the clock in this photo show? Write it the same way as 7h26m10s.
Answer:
2h47m44s
